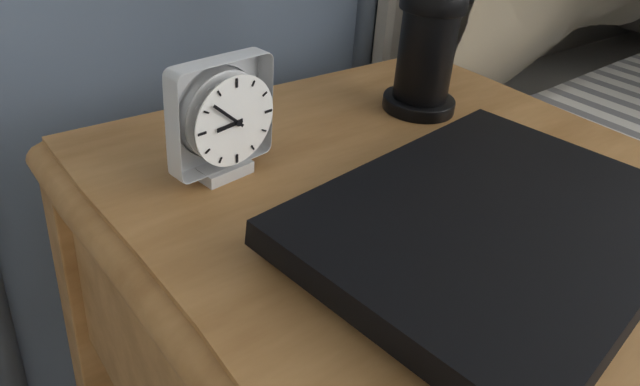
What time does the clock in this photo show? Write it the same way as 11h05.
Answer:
8h52
